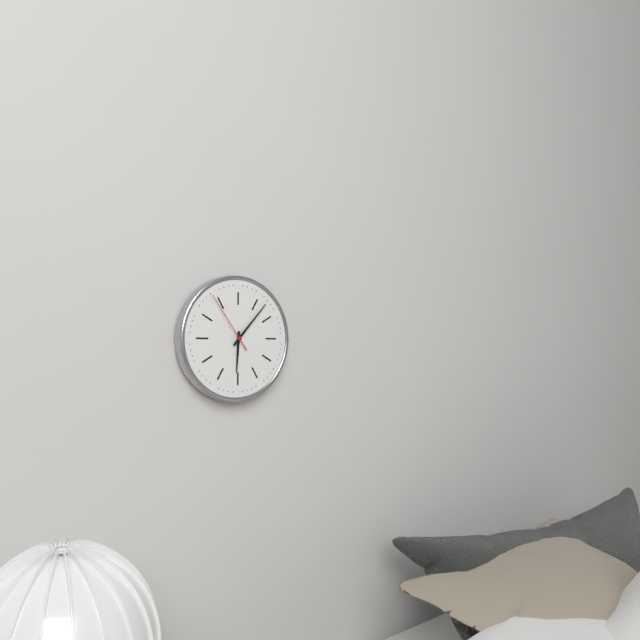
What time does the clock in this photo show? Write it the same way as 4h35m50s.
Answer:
6h07m54s
